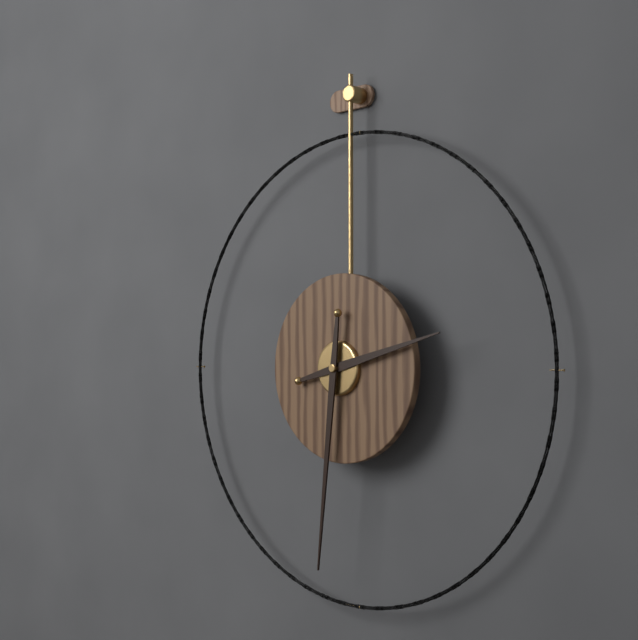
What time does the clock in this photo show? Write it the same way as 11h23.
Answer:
2h31
